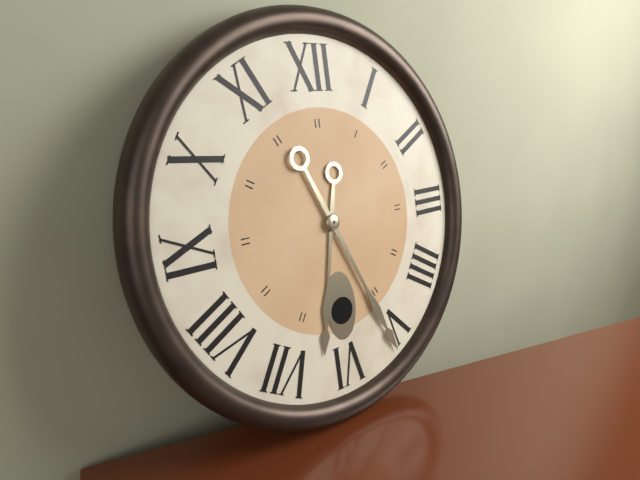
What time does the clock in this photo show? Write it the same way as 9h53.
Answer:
6h26
